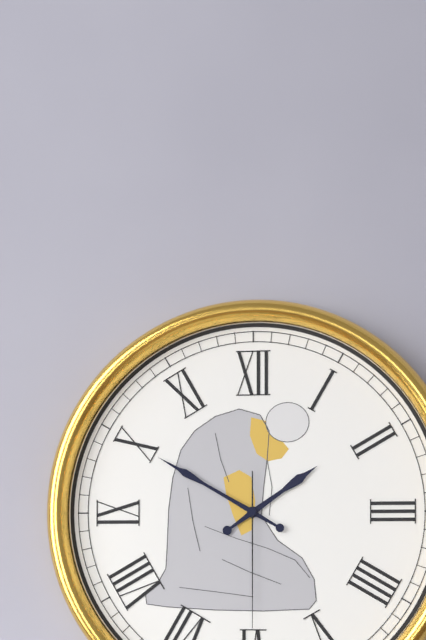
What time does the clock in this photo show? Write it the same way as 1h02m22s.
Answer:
1h50m30s
